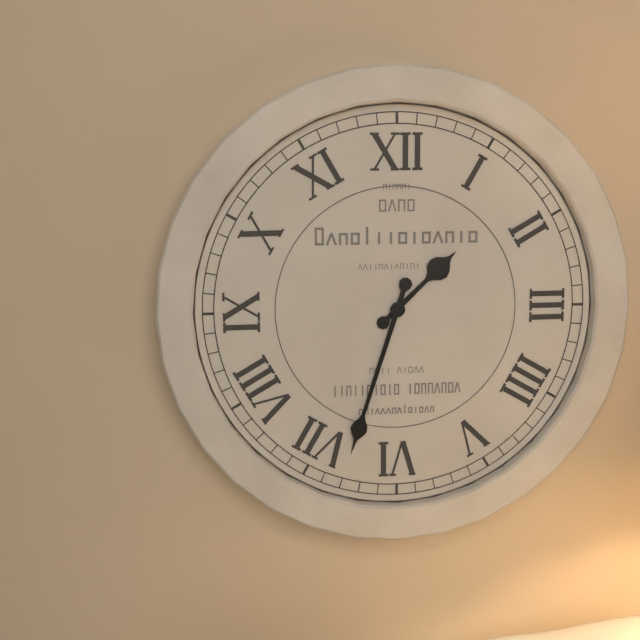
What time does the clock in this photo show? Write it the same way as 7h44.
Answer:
1h33
